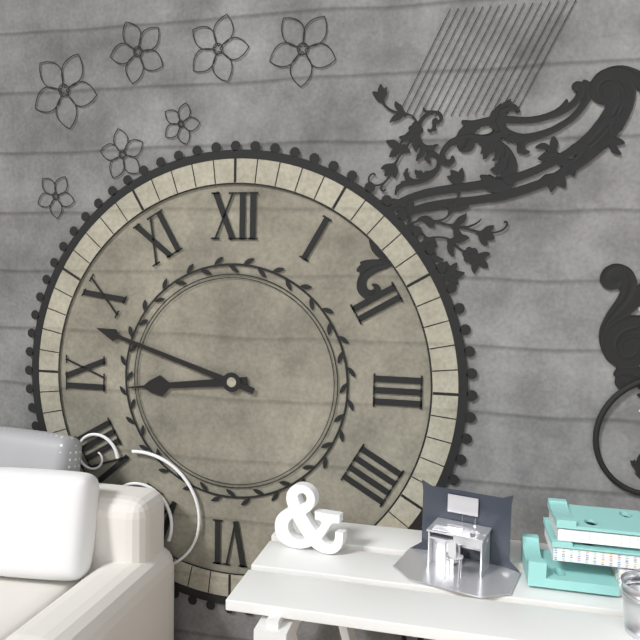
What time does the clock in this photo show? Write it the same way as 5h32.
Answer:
8h48
